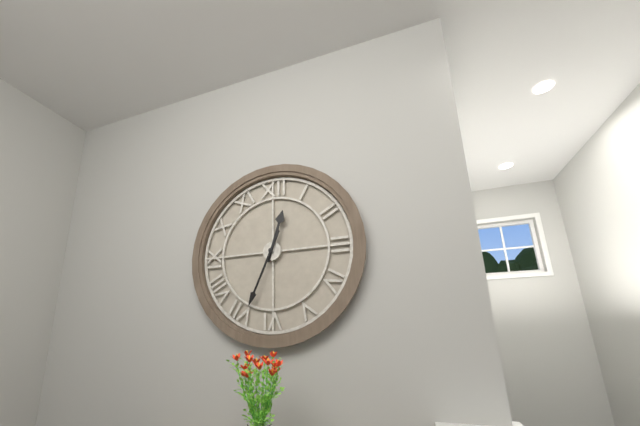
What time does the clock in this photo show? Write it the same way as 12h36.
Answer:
12h34
